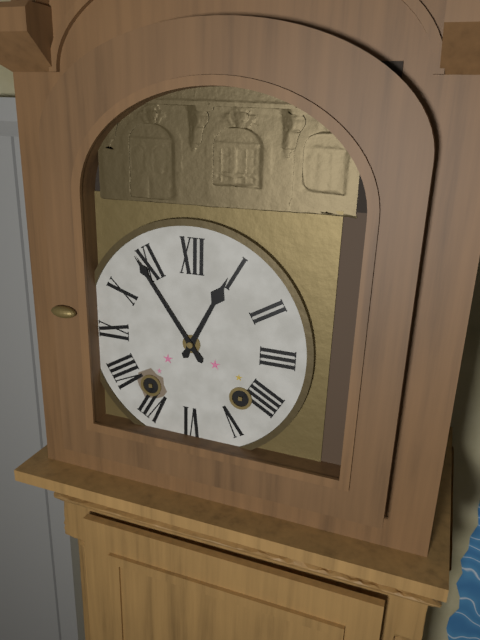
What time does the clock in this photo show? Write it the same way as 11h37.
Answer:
12h54
